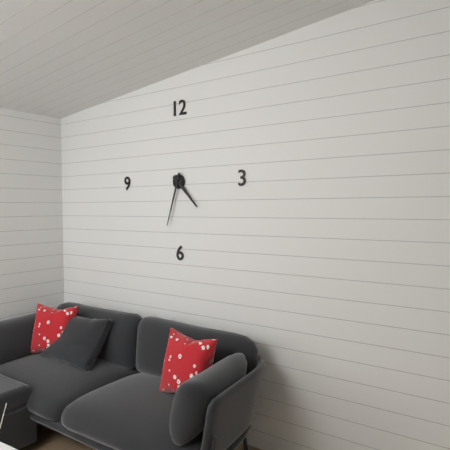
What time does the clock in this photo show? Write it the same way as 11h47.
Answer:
4h33
